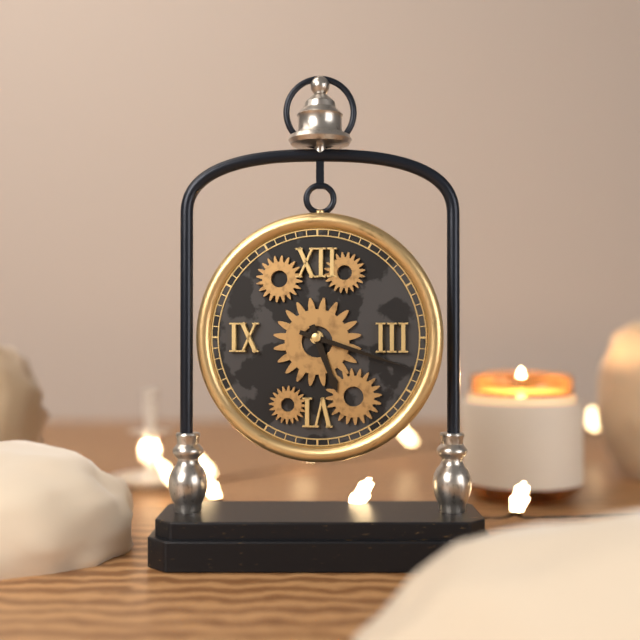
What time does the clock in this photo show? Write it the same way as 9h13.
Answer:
5h18
